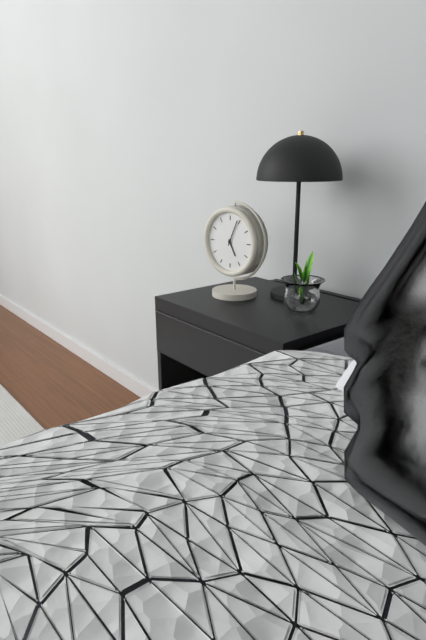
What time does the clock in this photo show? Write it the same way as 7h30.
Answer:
5h04
